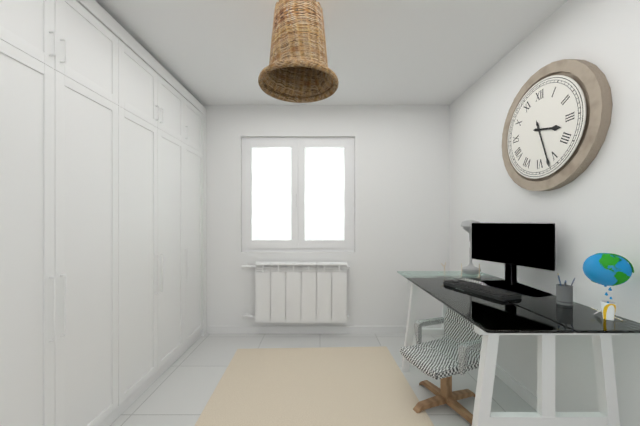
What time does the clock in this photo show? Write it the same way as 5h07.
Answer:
3h27
